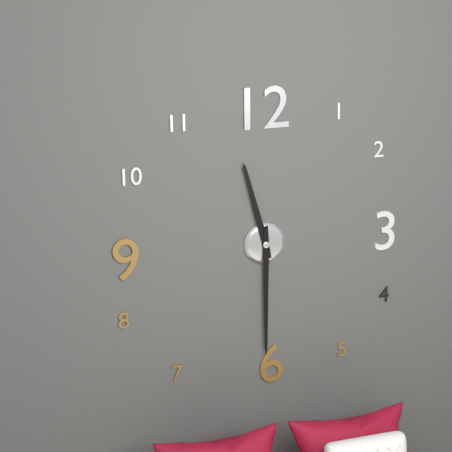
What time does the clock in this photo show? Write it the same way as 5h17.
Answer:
11h30
